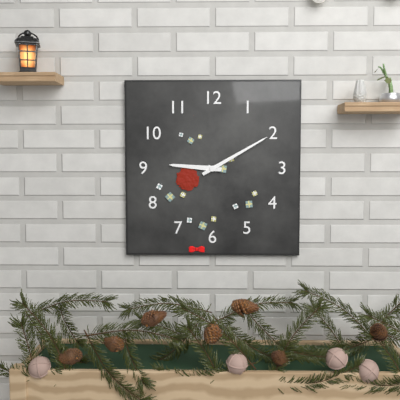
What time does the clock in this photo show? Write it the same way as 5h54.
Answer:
9h10
